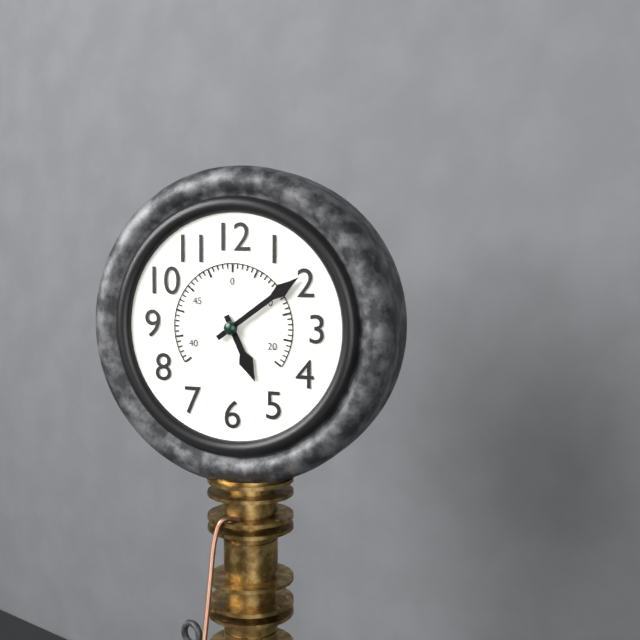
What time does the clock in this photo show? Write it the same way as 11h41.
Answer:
5h09
